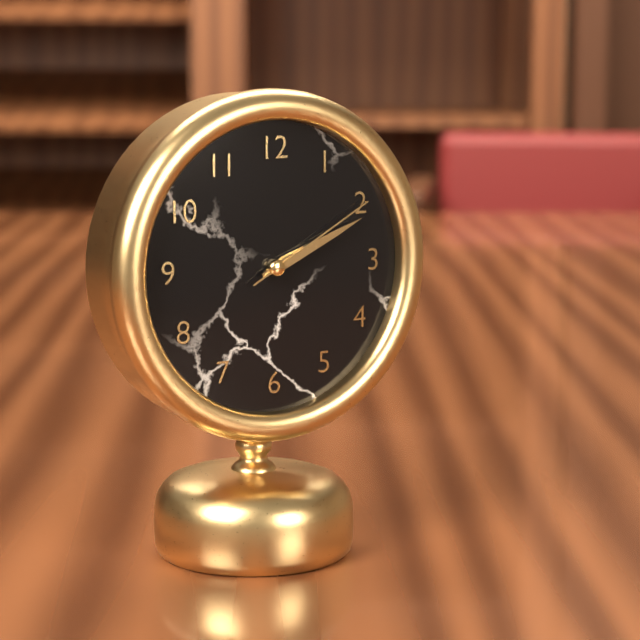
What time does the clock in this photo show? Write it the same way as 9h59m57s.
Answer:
2h11m10s
